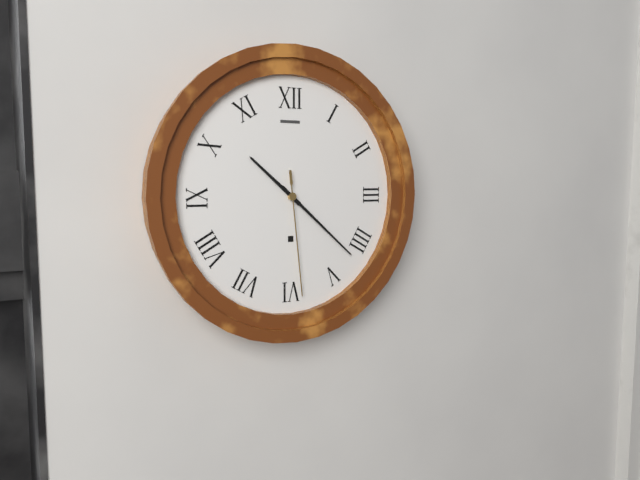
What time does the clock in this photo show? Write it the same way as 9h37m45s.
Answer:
10h22m29s
